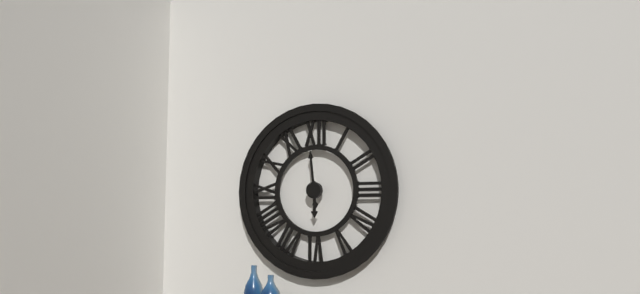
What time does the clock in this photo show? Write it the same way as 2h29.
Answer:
5h59
